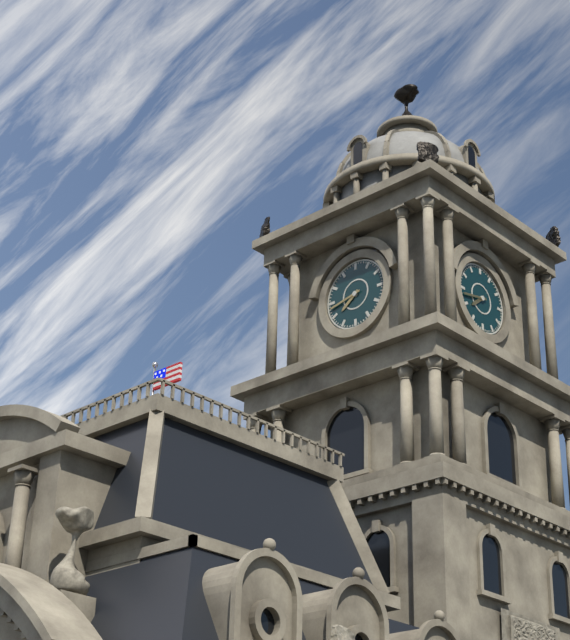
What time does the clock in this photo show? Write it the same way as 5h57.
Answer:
7h43
